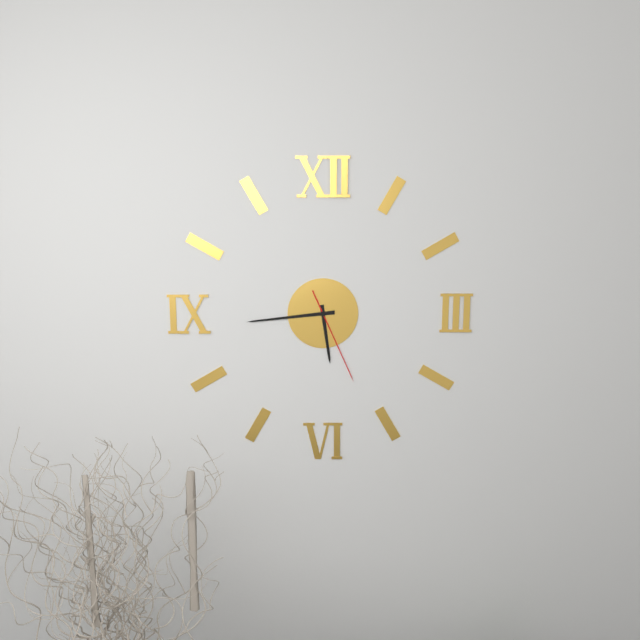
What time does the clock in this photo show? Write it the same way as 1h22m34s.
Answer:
5h44m26s
